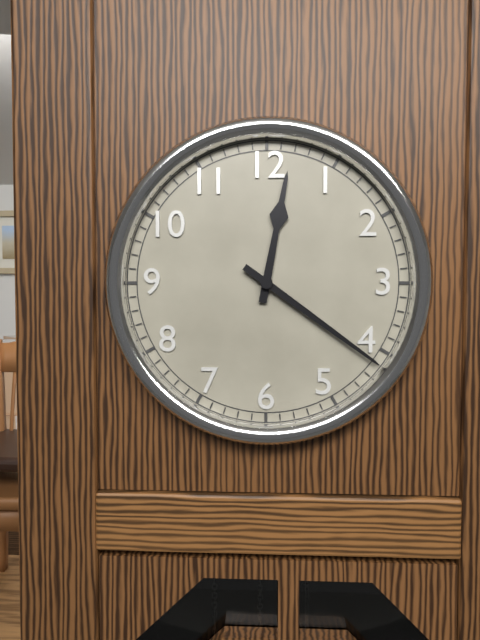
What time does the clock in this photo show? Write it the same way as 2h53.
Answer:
12h21
